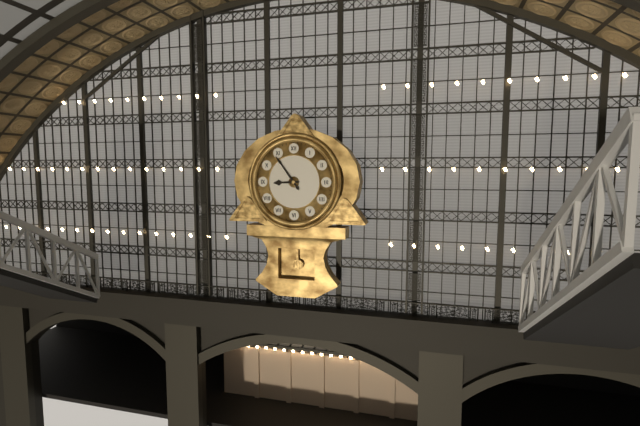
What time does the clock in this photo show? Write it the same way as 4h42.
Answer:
8h54
